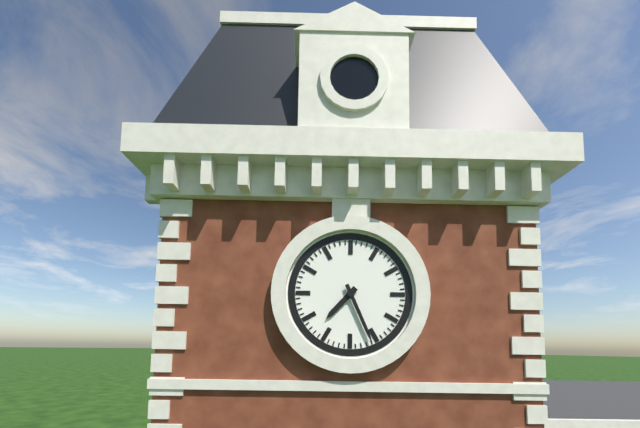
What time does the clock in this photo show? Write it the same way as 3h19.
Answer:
7h26
